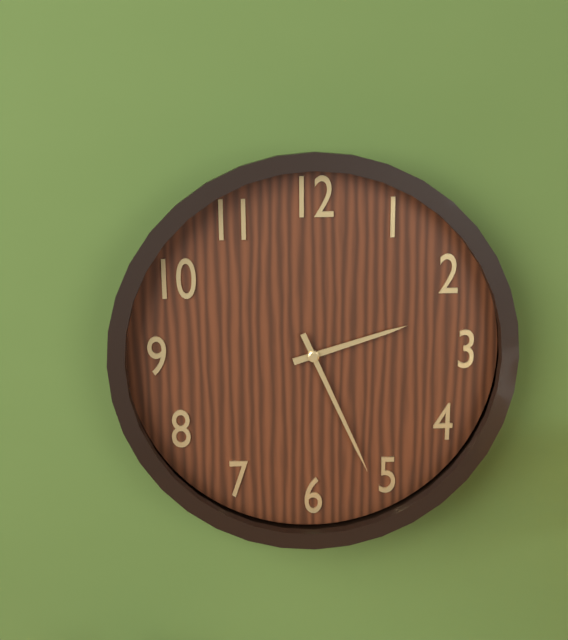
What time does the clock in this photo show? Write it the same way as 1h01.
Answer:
2h26
